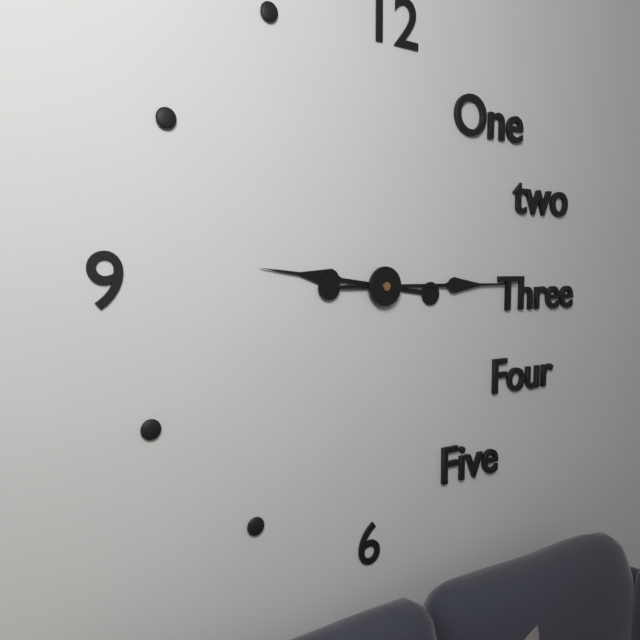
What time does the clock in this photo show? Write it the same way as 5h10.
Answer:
9h15
